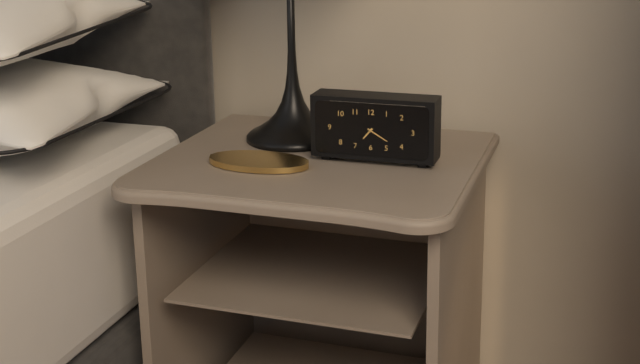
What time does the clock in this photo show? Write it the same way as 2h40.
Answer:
7h20
